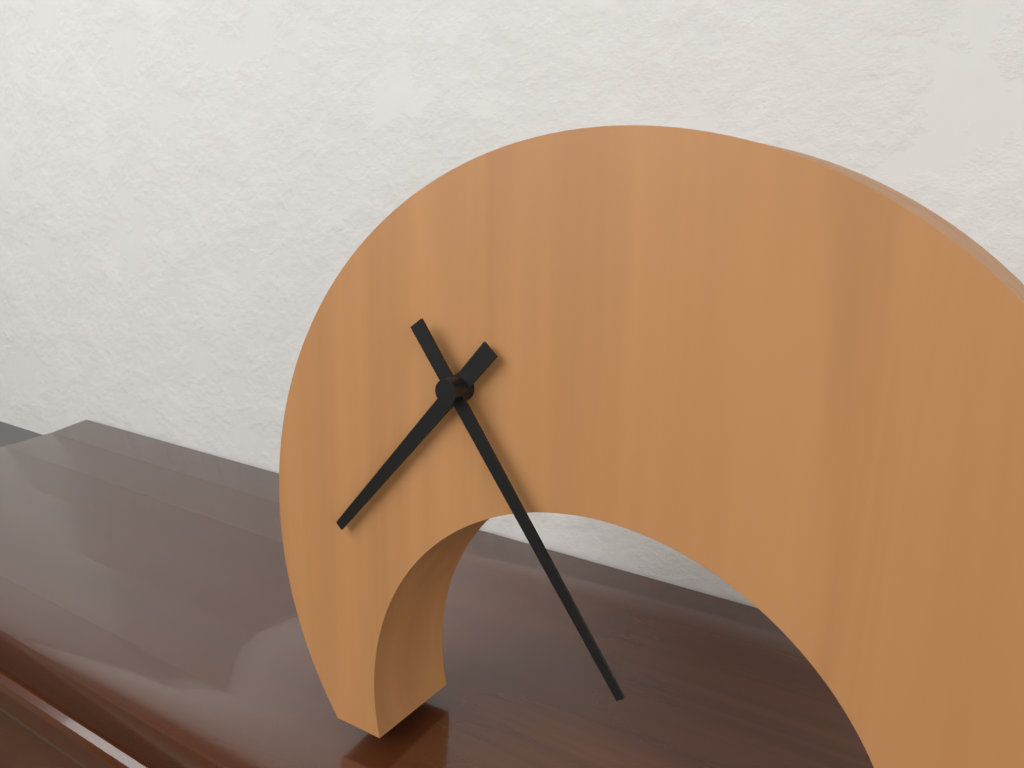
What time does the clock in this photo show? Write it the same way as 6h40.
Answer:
7h24
